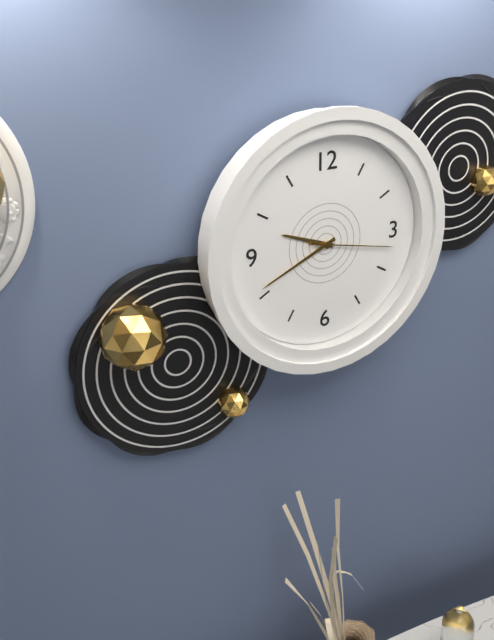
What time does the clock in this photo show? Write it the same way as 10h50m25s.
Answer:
9h41m17s
